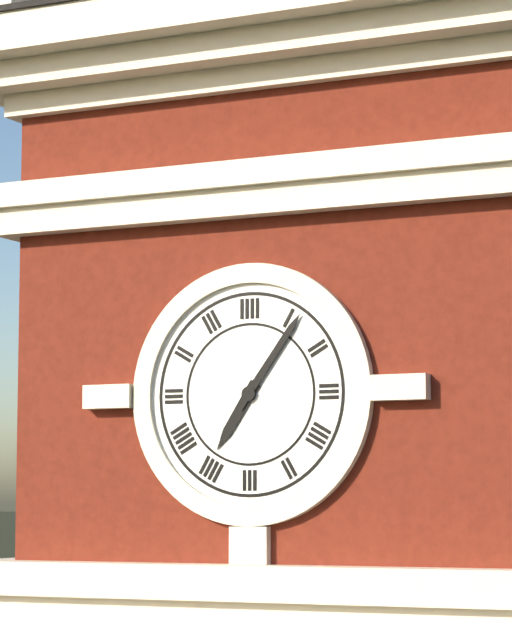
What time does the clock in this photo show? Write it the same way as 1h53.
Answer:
7h06
